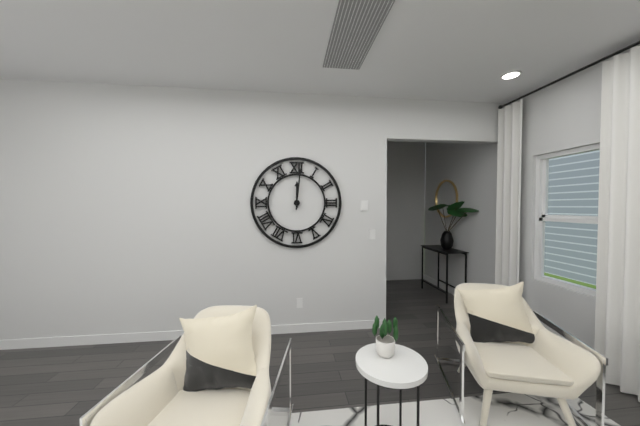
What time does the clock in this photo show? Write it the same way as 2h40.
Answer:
12h01
